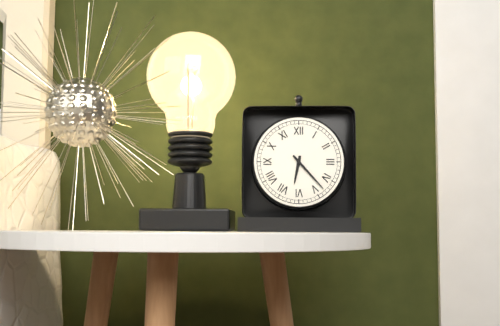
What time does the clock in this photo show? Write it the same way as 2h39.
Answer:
6h23
